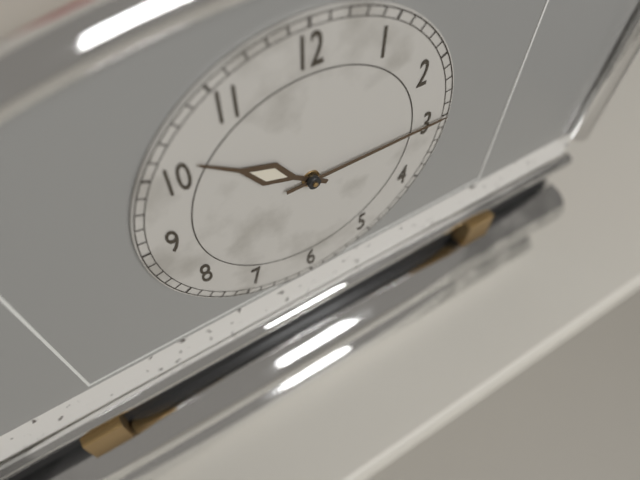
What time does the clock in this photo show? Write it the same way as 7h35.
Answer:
10h15
